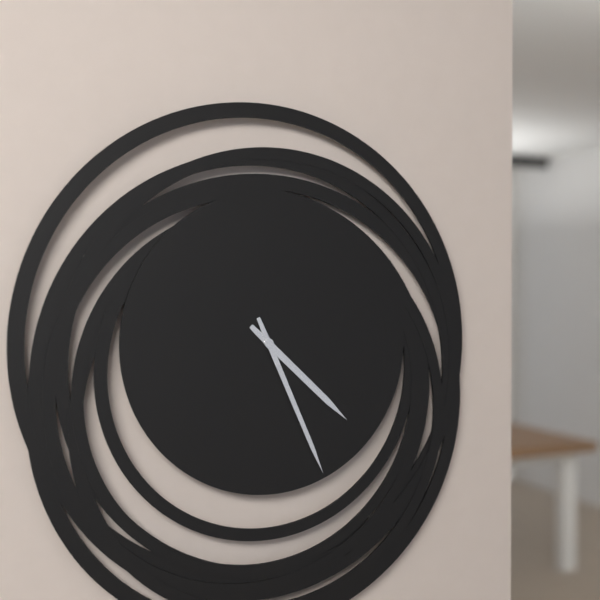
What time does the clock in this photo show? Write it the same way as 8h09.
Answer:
4h26
